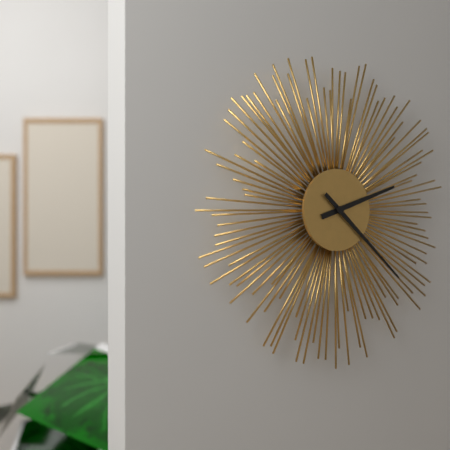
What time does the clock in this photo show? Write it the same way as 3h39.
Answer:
2h22
